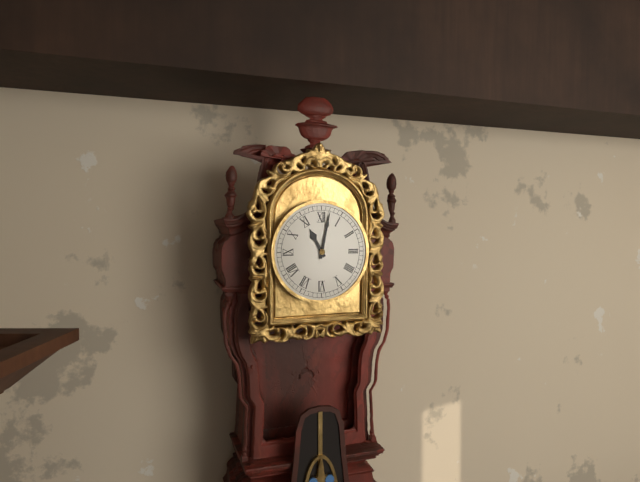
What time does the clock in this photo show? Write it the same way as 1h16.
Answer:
11h02
